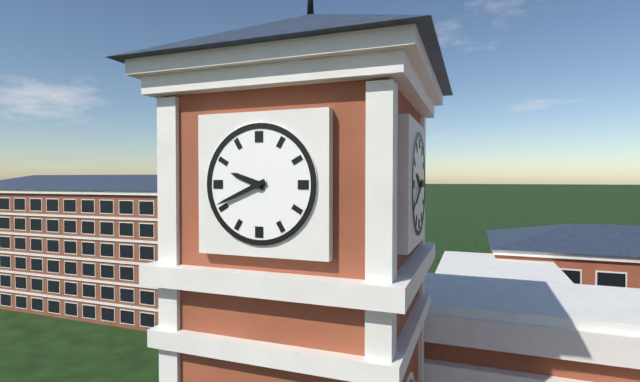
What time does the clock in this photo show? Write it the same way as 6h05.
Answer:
9h41
